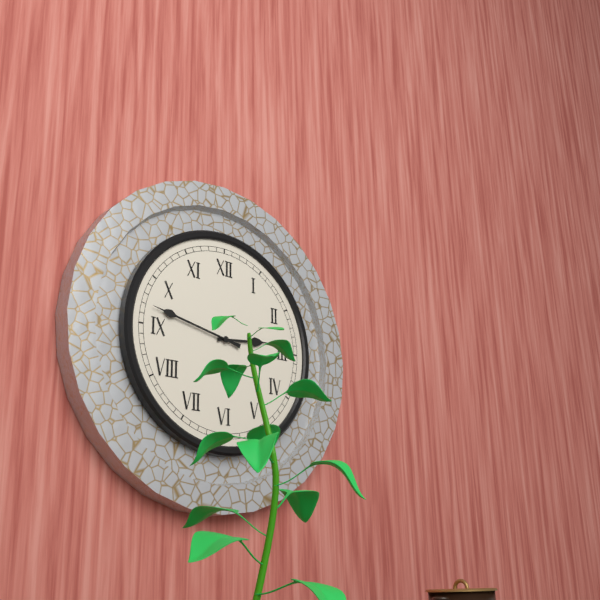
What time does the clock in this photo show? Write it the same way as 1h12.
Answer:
2h47
